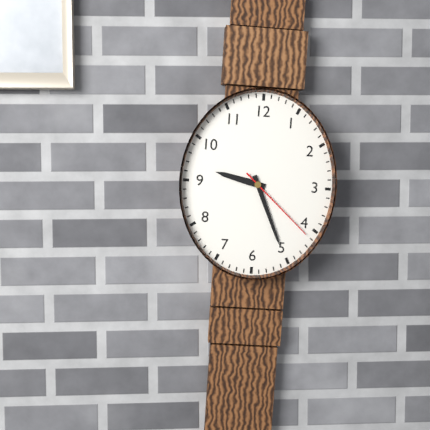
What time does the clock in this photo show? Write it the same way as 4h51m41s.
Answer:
9h26m22s
